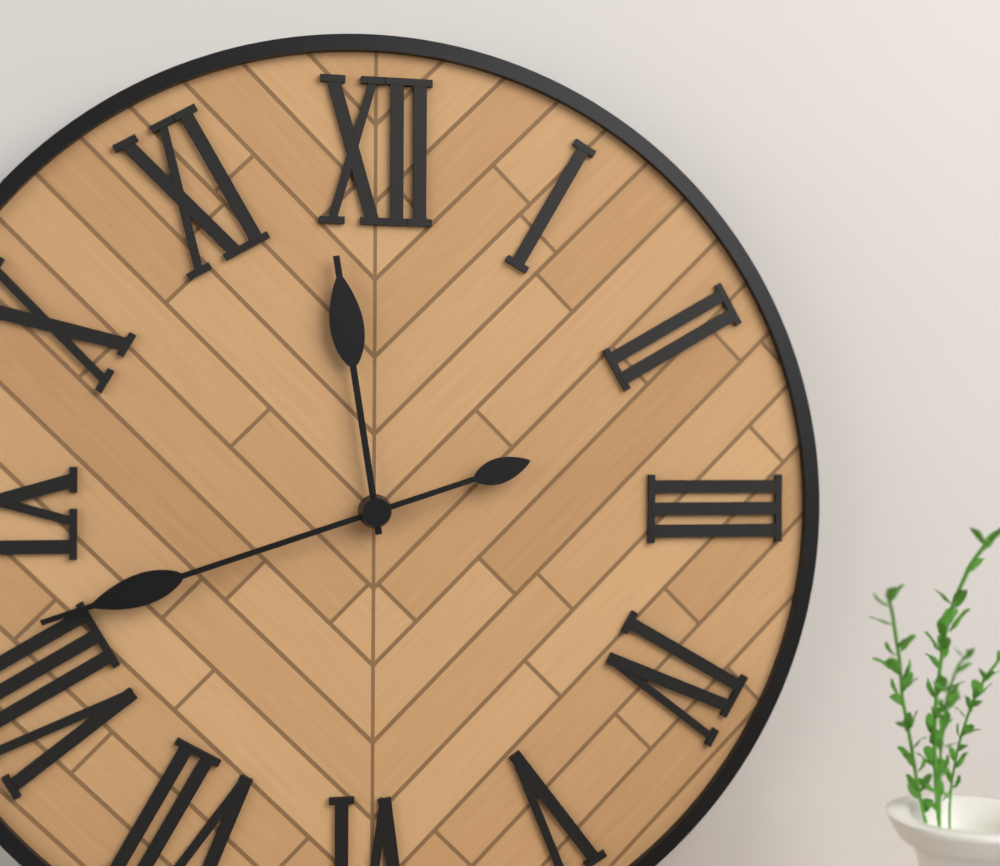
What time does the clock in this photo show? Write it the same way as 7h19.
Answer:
11h42
